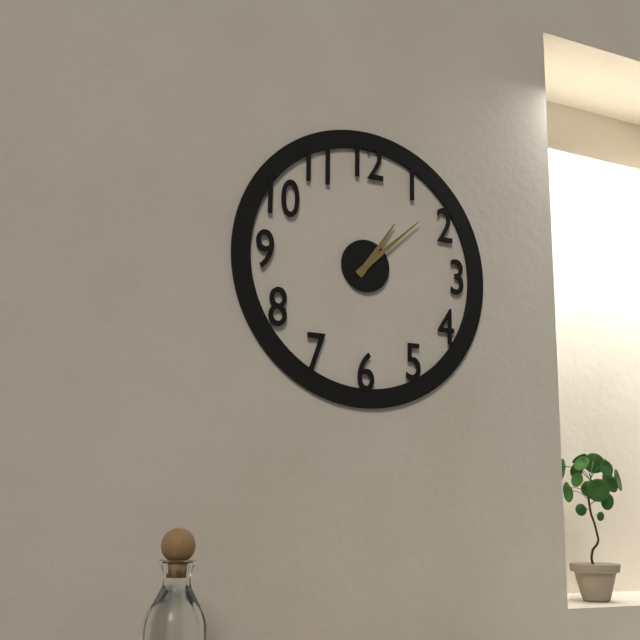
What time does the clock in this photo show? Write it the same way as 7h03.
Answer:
1h08
